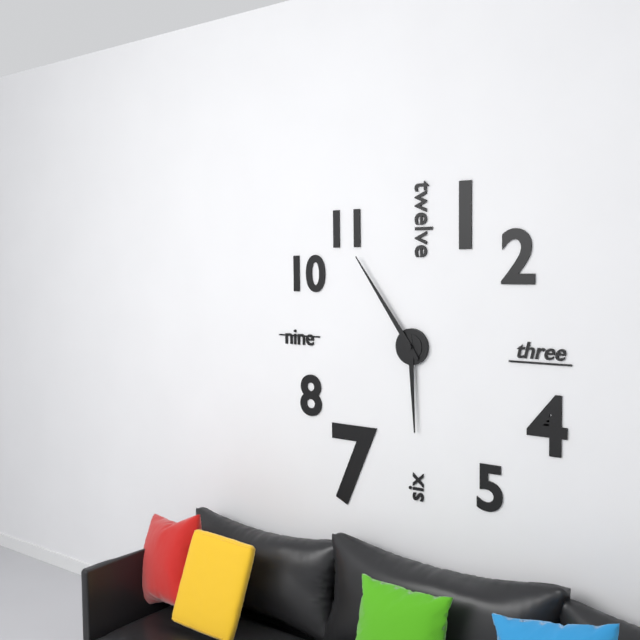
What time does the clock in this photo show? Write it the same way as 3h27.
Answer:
5h54
